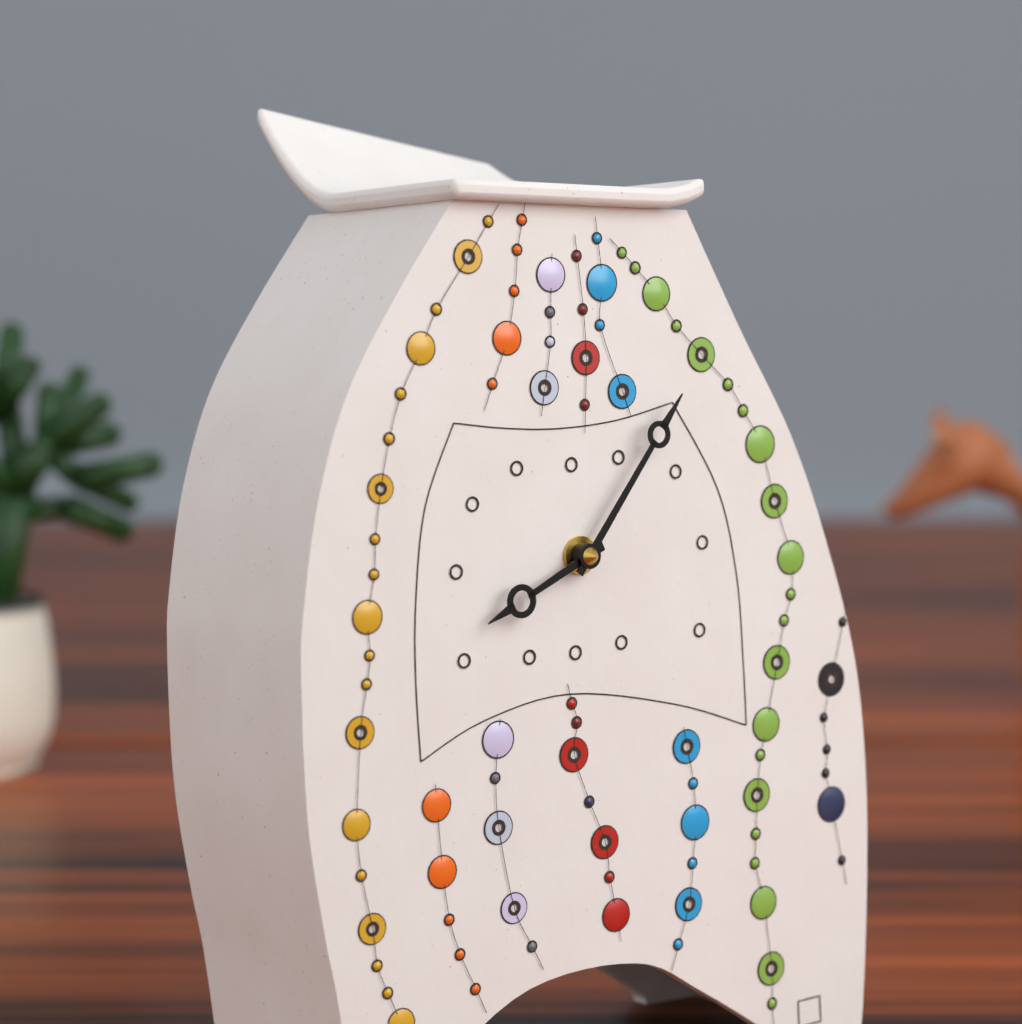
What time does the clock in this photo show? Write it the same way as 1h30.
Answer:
8h06
